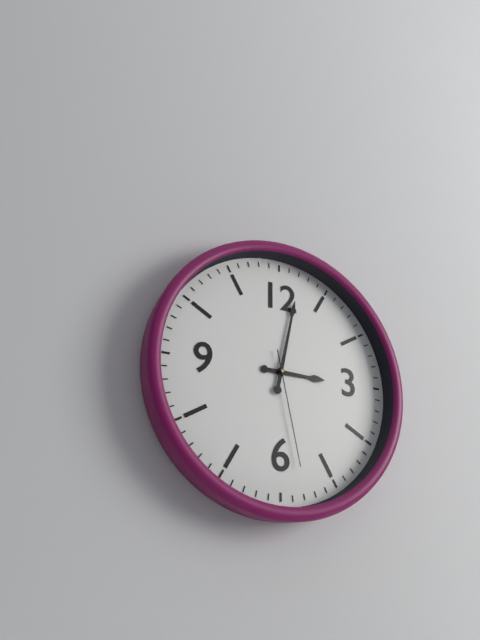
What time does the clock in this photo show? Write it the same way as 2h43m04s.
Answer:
3h02m28s
